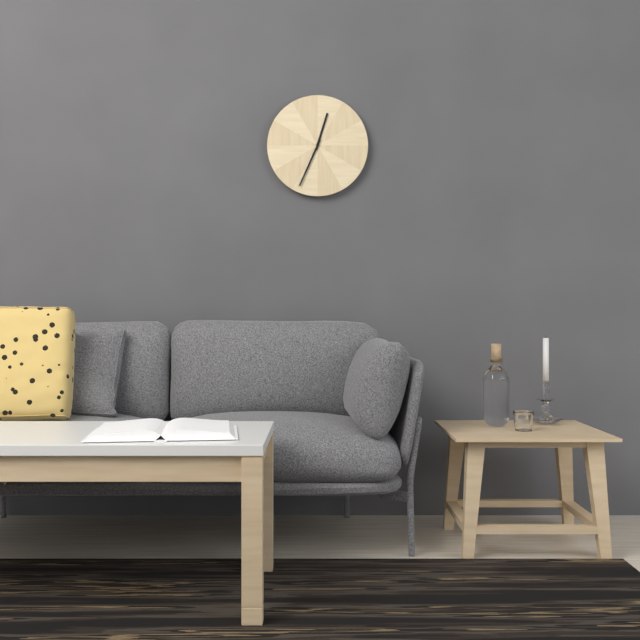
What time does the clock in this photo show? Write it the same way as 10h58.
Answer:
12h34
